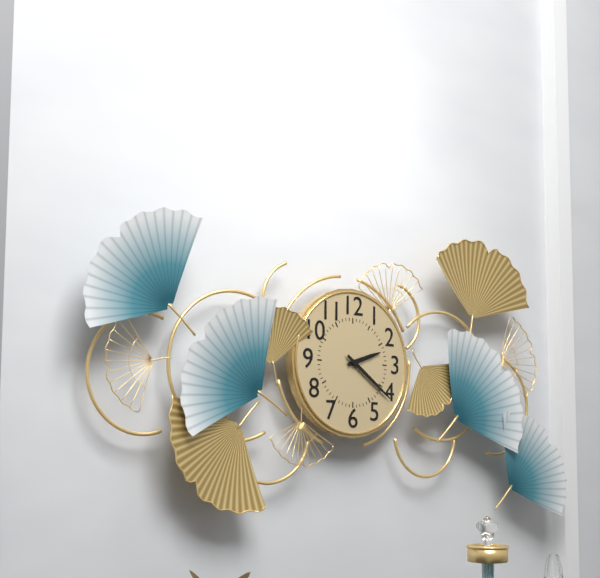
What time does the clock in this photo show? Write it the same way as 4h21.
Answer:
2h21
